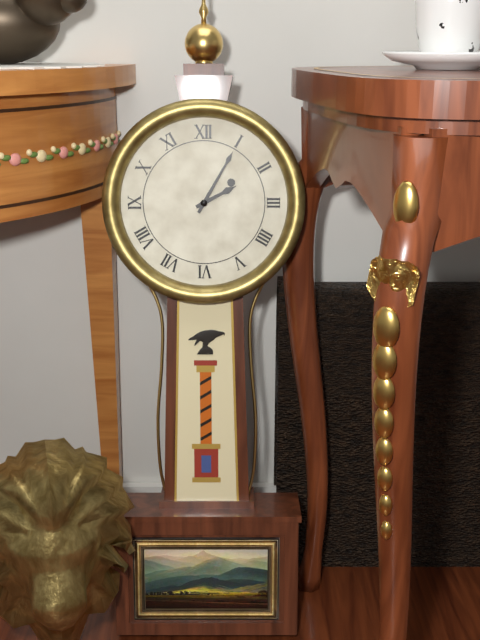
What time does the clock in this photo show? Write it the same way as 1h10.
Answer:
2h05
